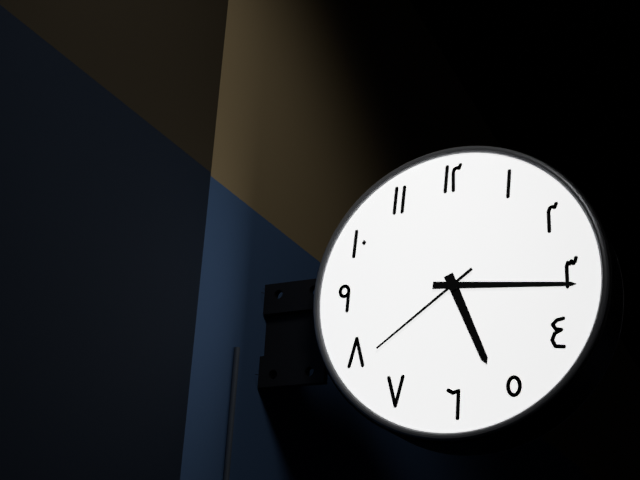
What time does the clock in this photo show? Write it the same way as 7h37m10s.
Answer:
5h16m39s
